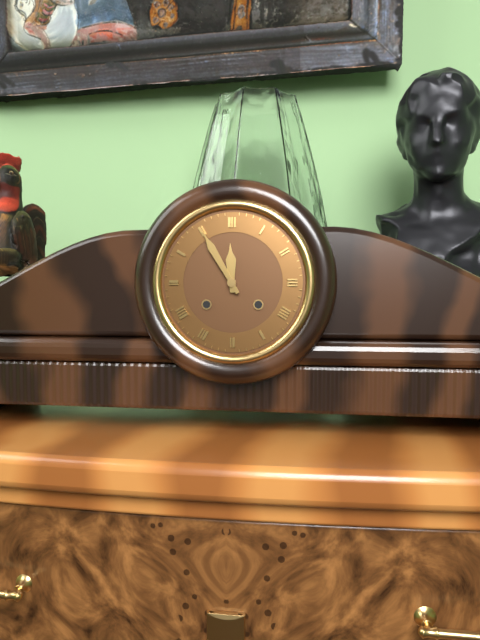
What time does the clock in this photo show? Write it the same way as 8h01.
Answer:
11h55
